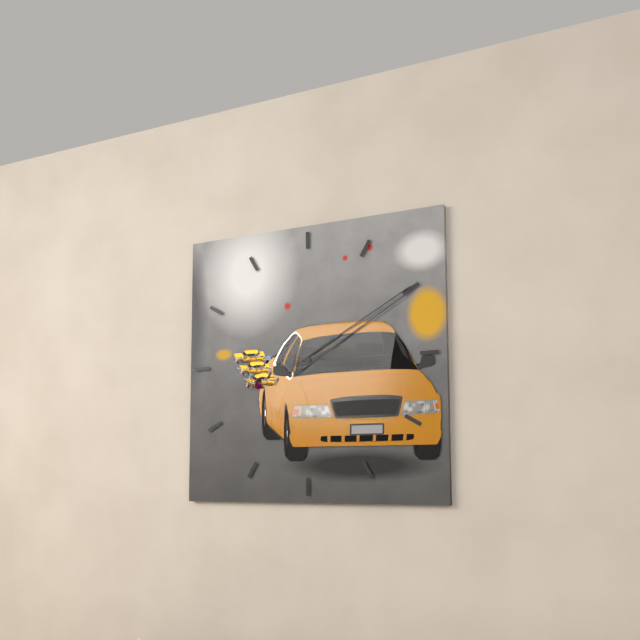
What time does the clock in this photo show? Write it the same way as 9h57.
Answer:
3h10
